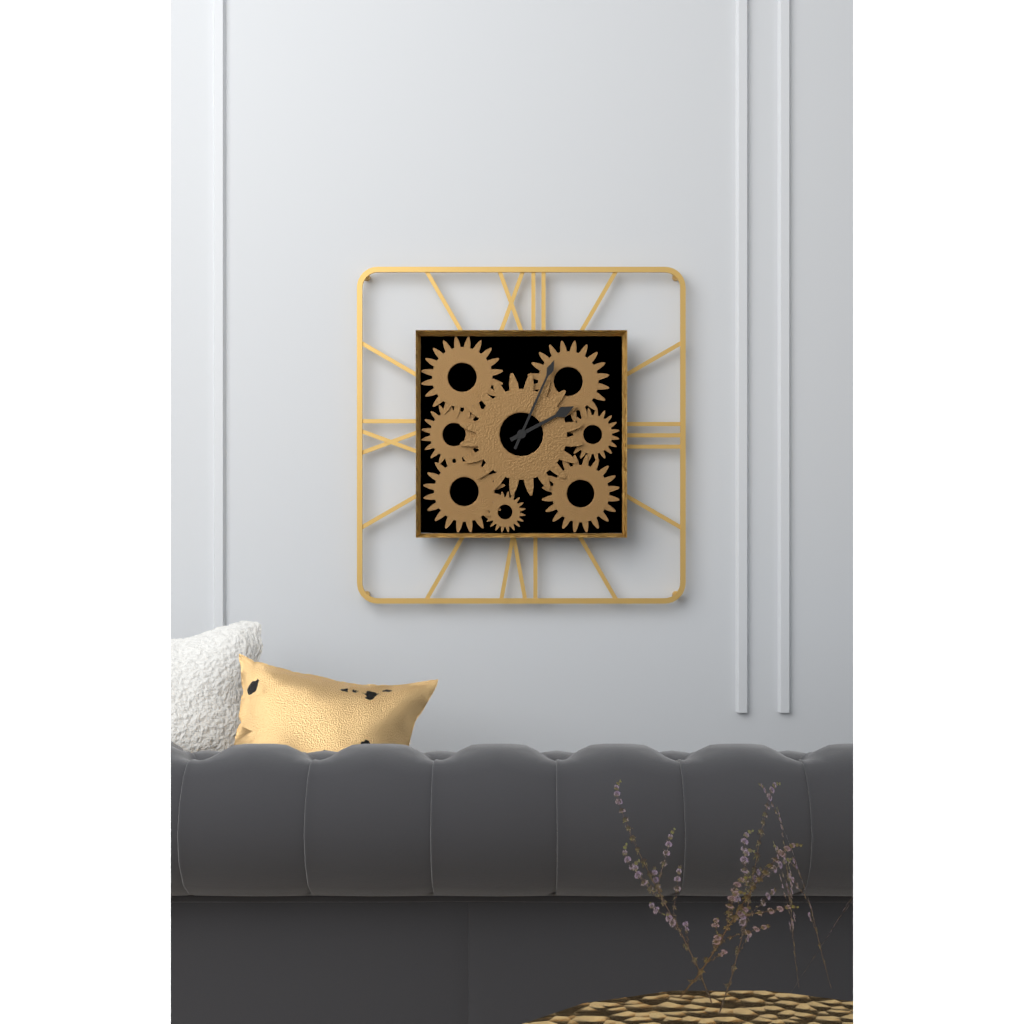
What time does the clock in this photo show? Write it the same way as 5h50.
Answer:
2h04
